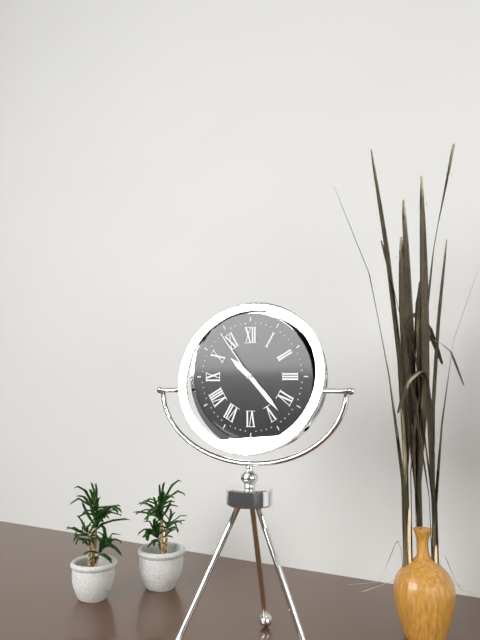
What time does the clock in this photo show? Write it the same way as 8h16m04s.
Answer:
10h23m54s
